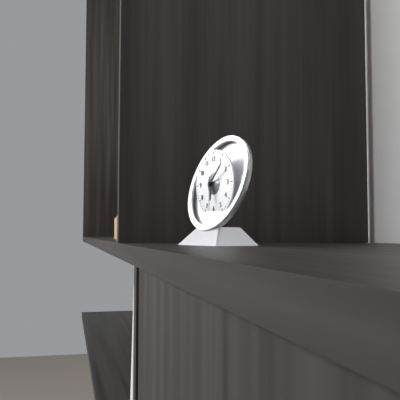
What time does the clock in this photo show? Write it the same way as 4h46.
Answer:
6h08
